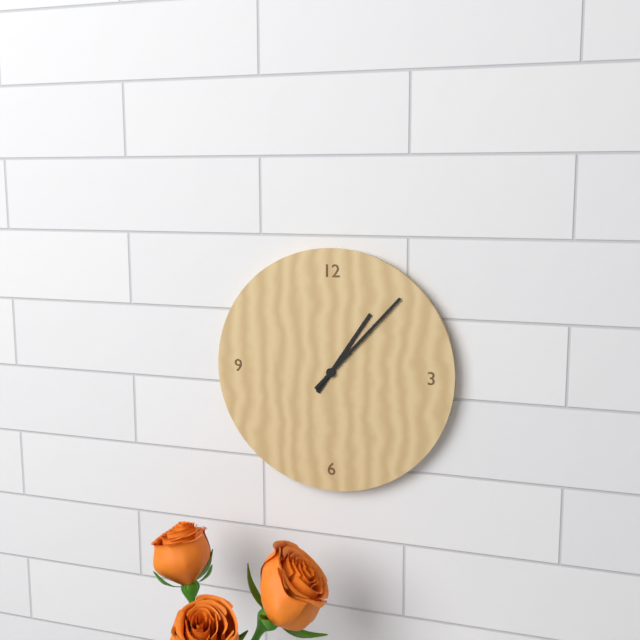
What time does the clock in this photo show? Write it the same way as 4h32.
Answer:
1h07
